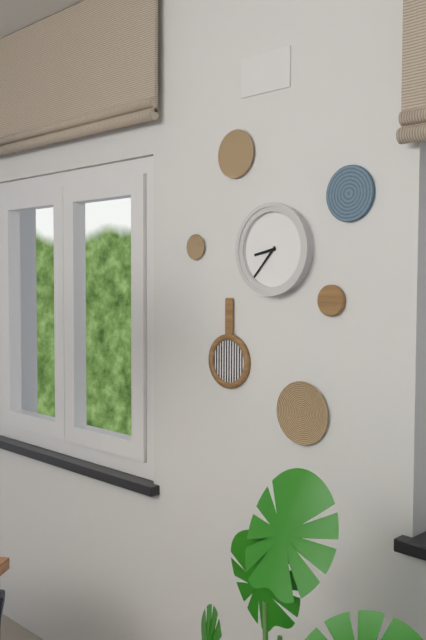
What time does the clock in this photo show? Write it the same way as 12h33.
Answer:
8h37
